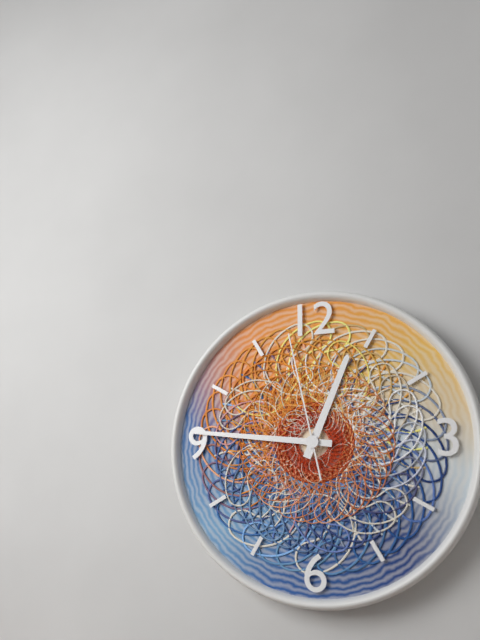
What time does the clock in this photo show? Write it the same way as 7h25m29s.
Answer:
12h46m58s
